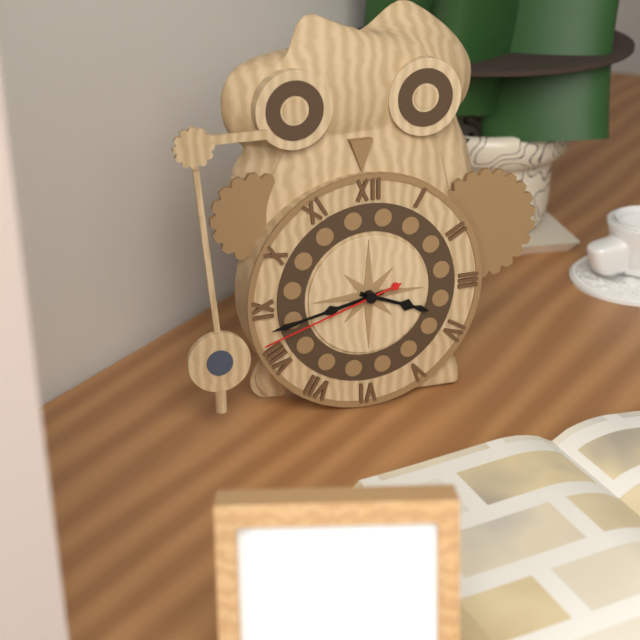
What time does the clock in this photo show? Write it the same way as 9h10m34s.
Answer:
3h43m42s
